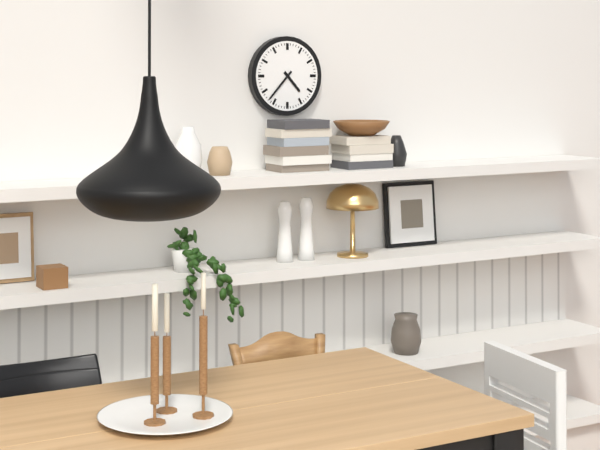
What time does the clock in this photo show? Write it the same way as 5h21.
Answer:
4h37
